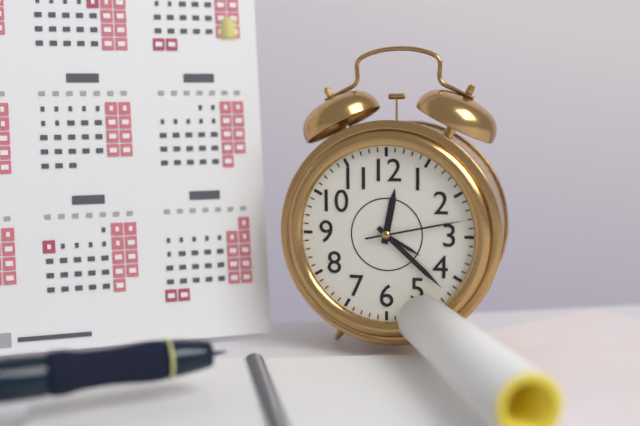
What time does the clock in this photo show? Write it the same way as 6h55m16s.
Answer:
12h22m13s
